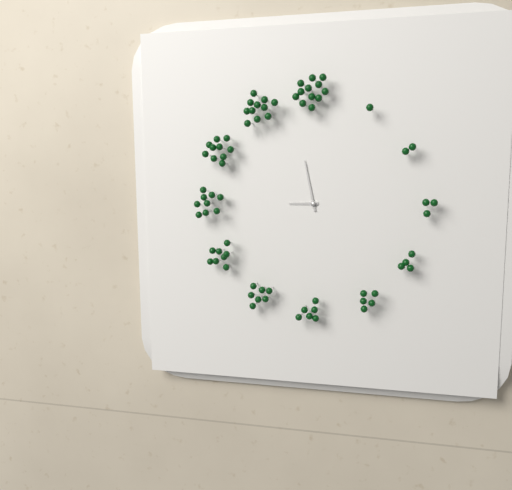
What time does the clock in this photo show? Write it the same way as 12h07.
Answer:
8h58
